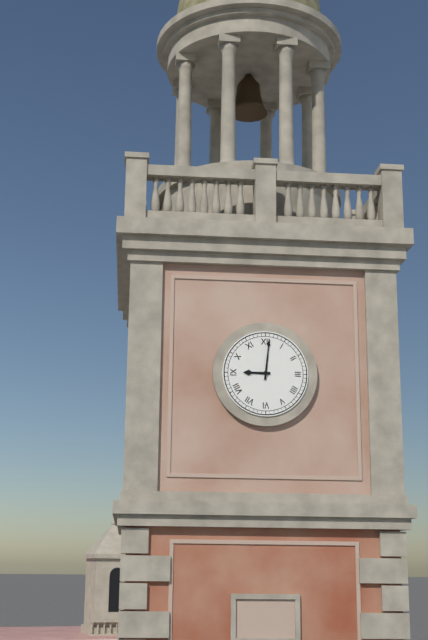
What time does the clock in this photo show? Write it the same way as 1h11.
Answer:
9h01
